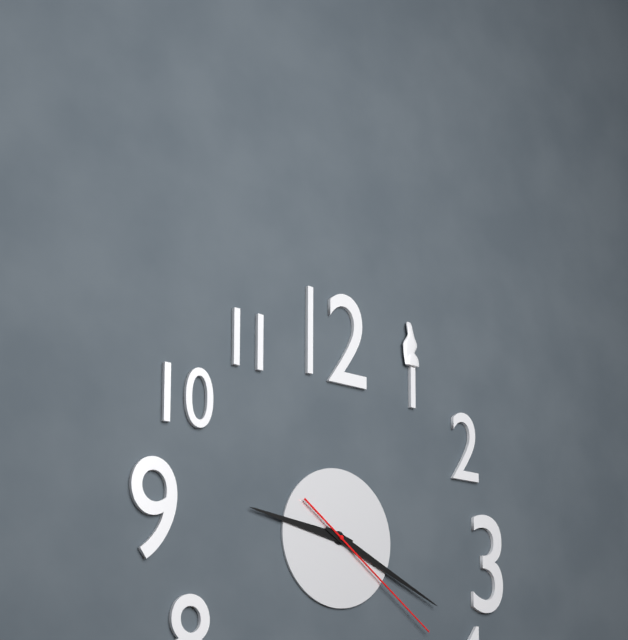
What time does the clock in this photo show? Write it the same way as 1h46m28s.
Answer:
9h19m21s
